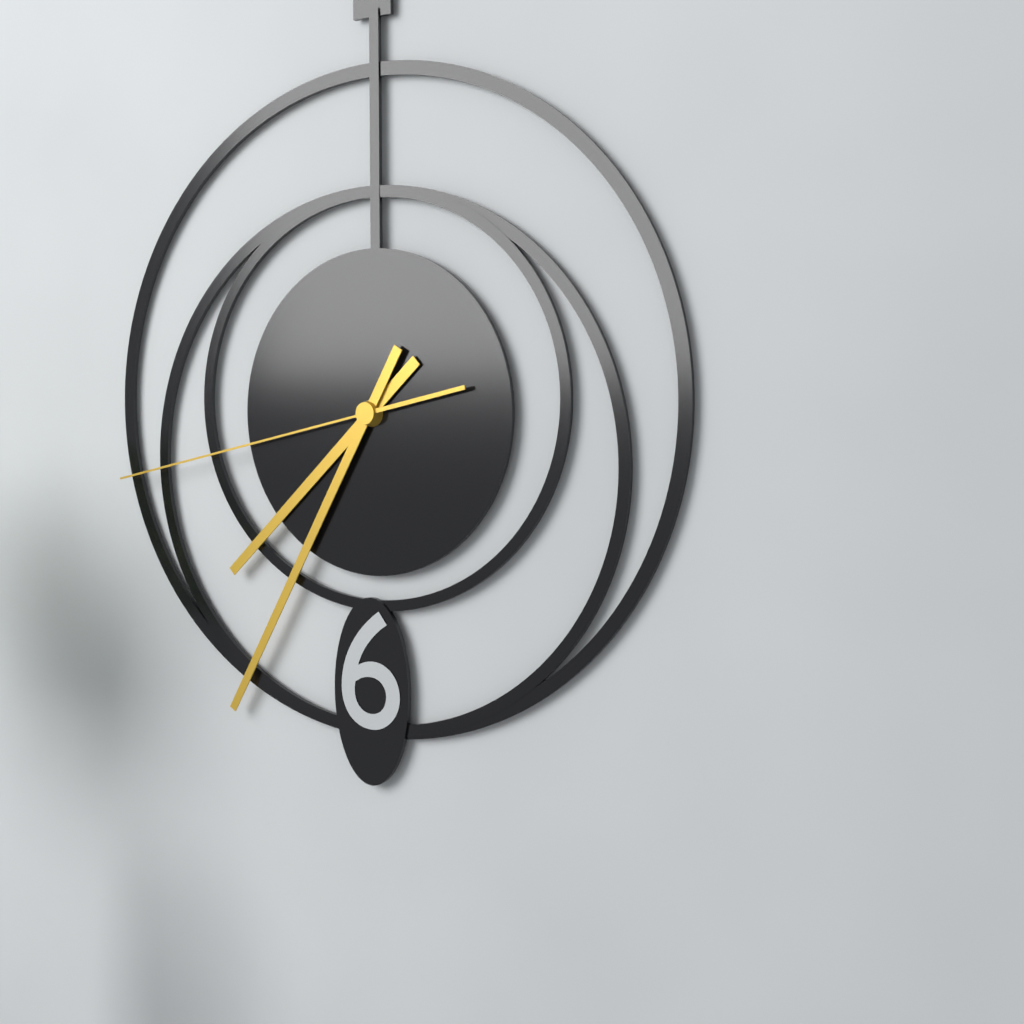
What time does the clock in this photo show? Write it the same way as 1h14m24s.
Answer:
7h35m43s
